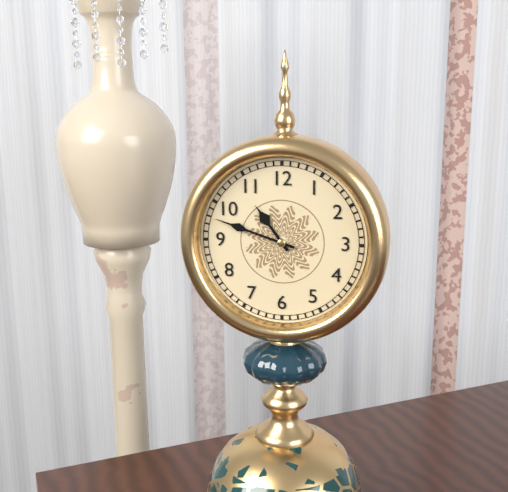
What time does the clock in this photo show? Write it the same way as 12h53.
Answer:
10h48
